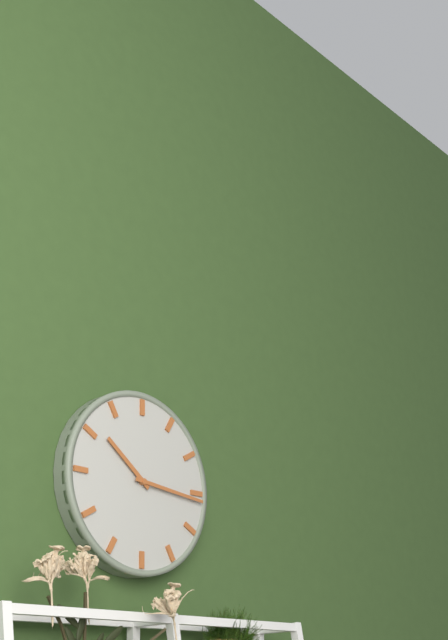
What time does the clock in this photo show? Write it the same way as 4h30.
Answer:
10h16
